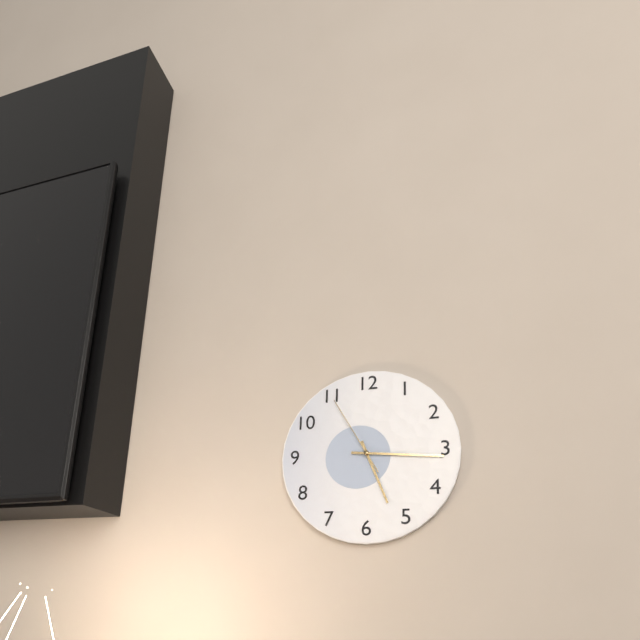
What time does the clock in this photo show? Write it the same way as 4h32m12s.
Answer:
5h16m55s
